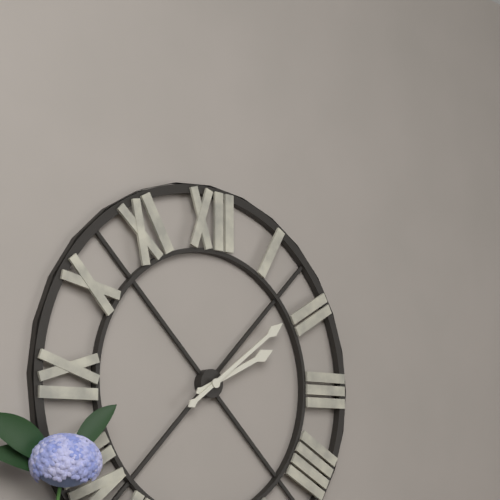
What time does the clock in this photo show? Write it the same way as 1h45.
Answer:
2h09
